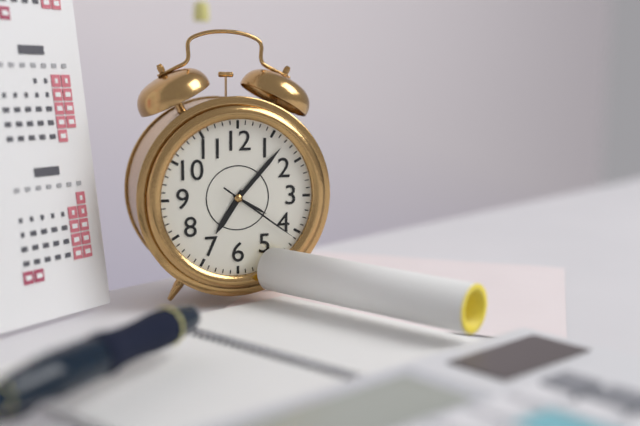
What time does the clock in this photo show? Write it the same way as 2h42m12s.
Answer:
7h07m21s
